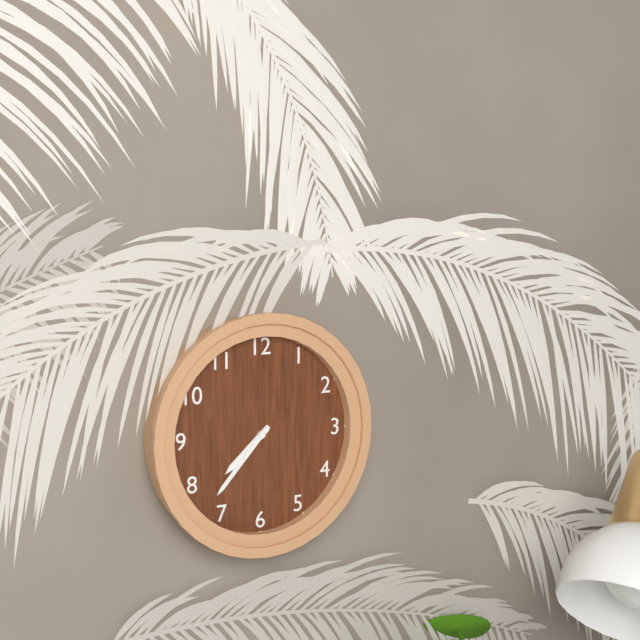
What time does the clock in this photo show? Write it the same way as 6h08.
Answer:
7h37
